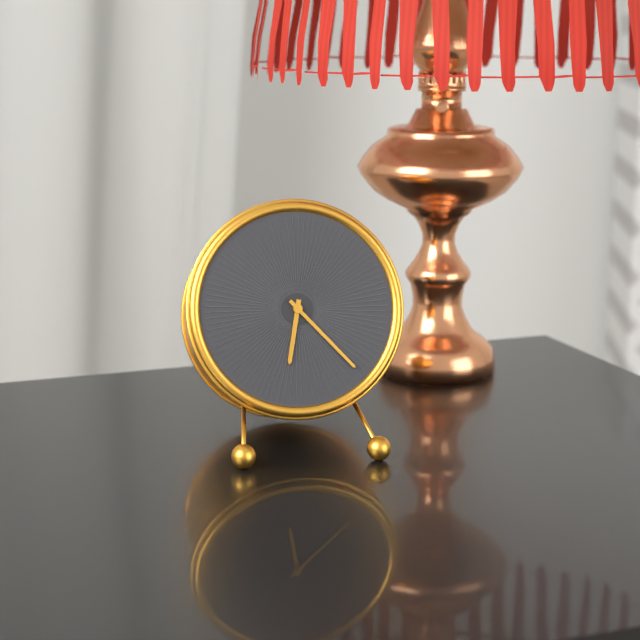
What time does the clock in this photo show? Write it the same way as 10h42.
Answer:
6h23
